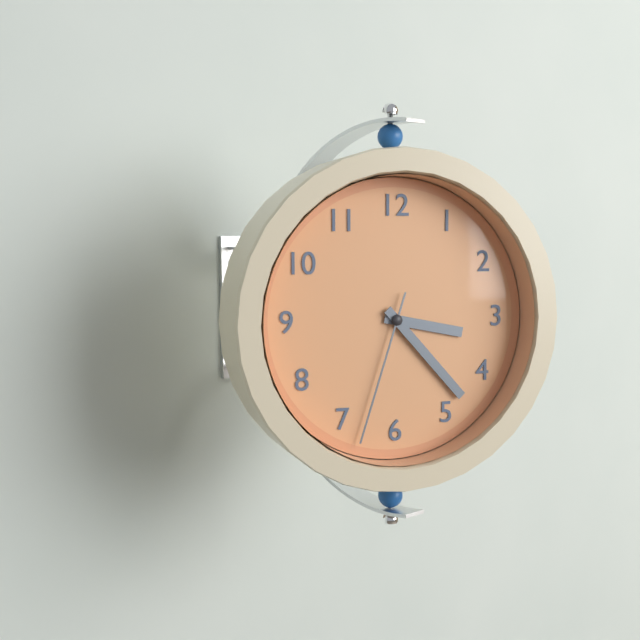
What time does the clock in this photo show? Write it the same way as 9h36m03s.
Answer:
3h23m33s
